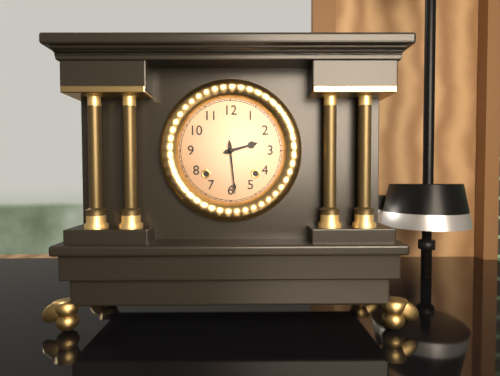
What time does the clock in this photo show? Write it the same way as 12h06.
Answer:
2h29
